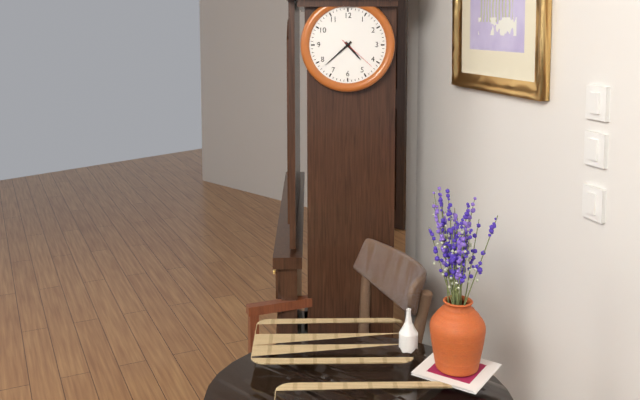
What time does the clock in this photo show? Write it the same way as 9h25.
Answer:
4h38
